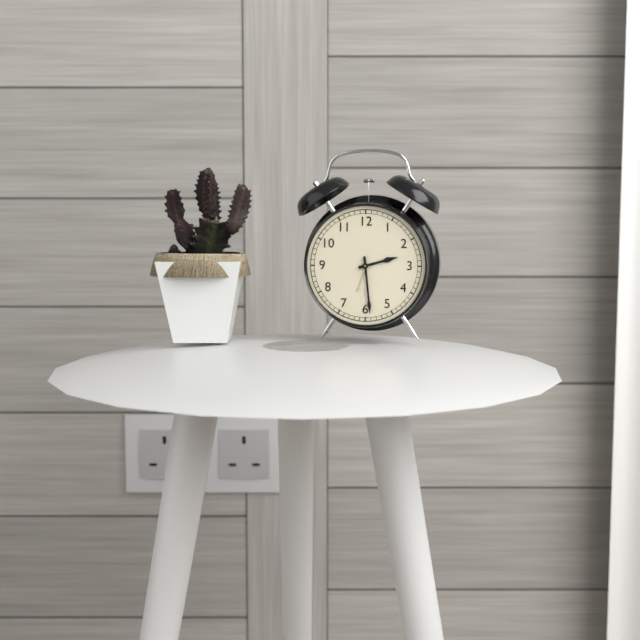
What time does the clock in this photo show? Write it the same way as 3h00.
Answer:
2h29
